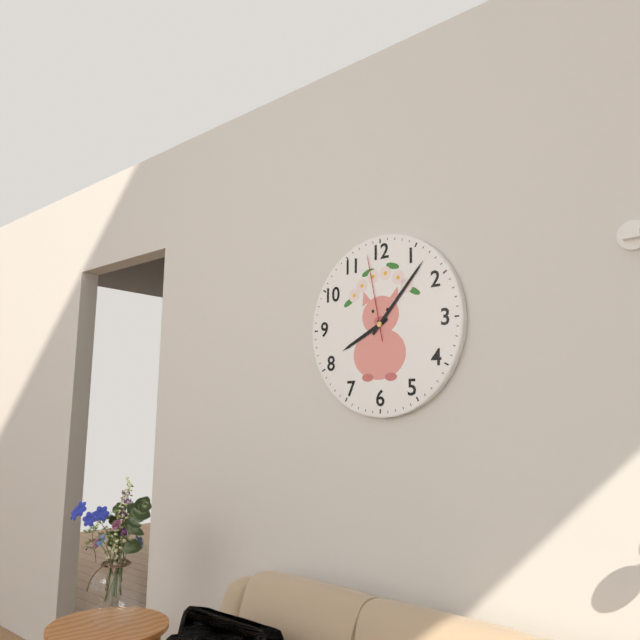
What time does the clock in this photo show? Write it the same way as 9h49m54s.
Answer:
8h07m58s
